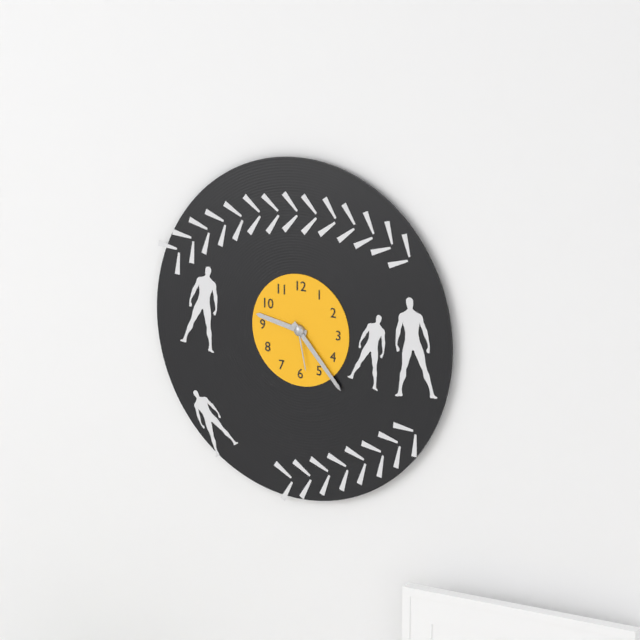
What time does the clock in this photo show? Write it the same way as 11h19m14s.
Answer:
9h23m28s
